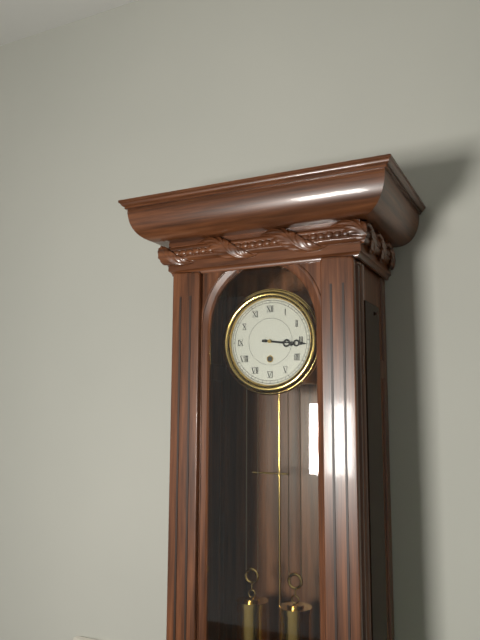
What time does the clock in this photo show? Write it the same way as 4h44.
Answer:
3h16
